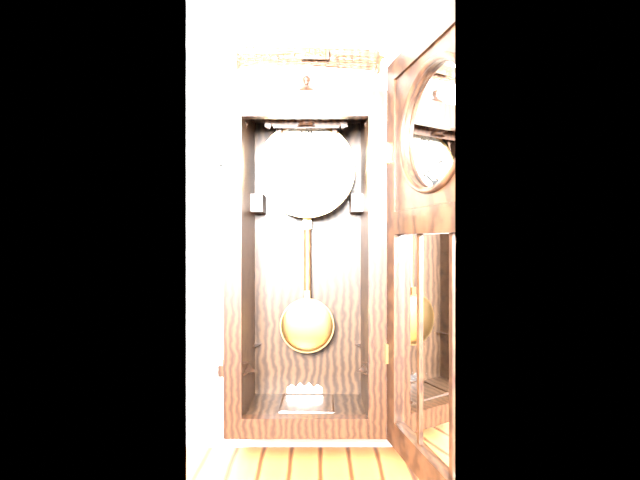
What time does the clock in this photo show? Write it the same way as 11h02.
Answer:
7h51
